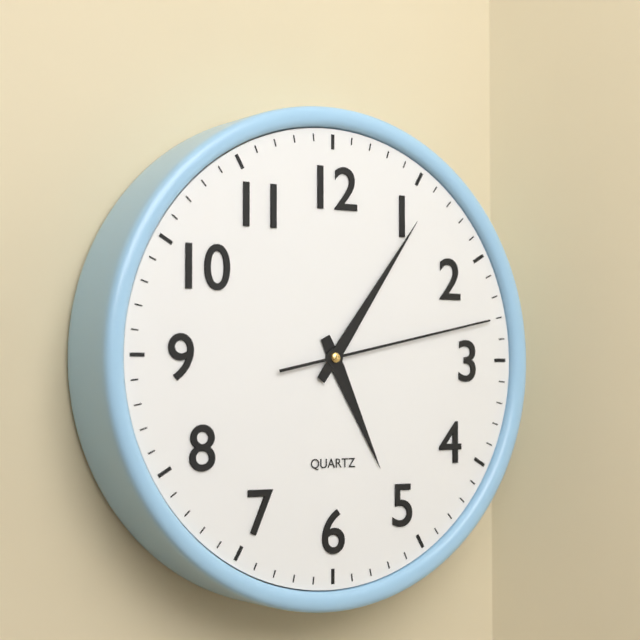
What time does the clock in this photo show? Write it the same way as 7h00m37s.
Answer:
5h06m13s
